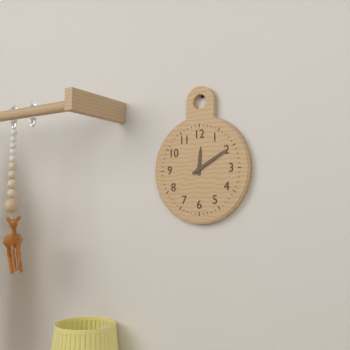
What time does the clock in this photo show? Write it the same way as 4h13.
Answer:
12h10
